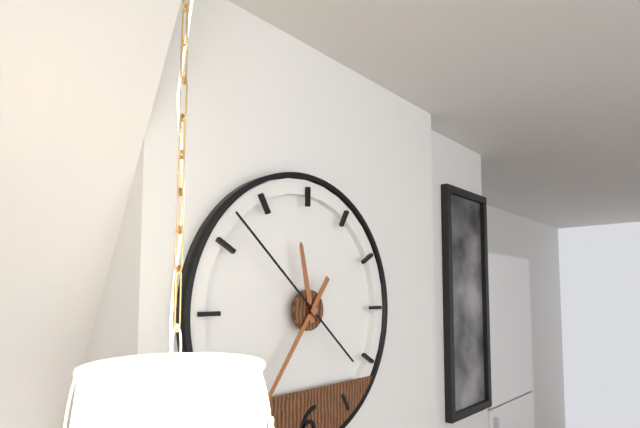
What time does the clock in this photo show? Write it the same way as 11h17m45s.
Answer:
11h36m52s
